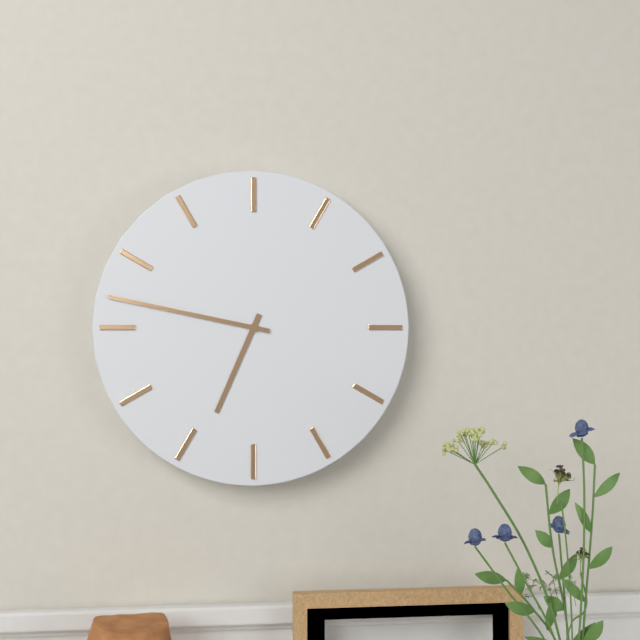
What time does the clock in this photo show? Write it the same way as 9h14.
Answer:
6h47
